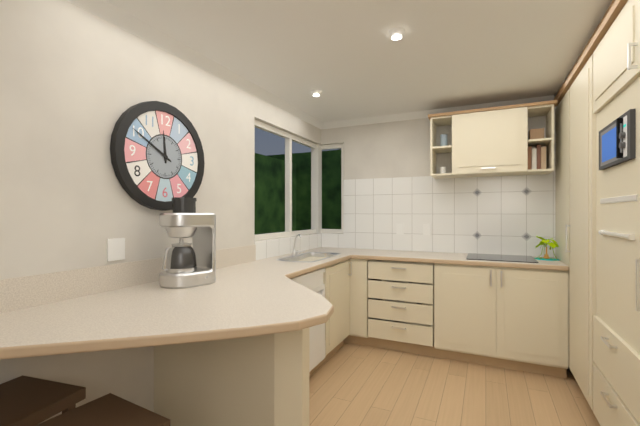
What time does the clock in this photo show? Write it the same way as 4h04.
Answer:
11h50
